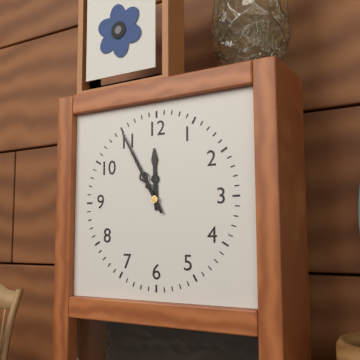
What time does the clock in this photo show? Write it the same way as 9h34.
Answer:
11h55
